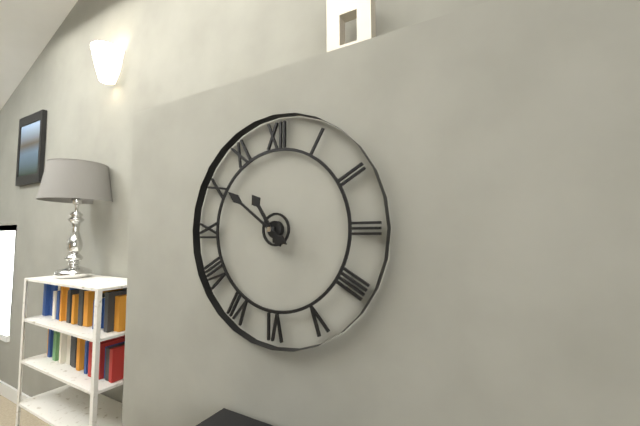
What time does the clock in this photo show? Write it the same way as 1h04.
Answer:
10h51
